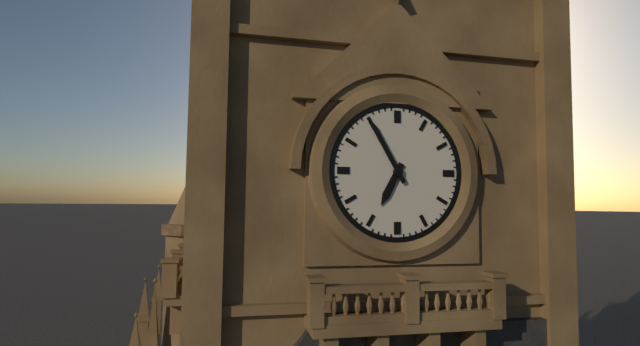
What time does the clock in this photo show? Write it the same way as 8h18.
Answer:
6h55
